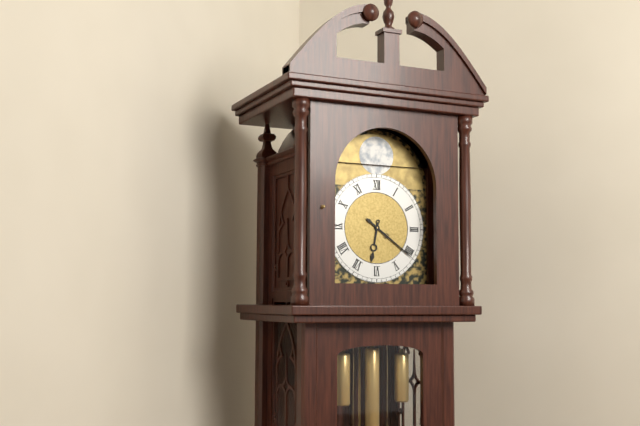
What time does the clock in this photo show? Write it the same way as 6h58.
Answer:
6h21
